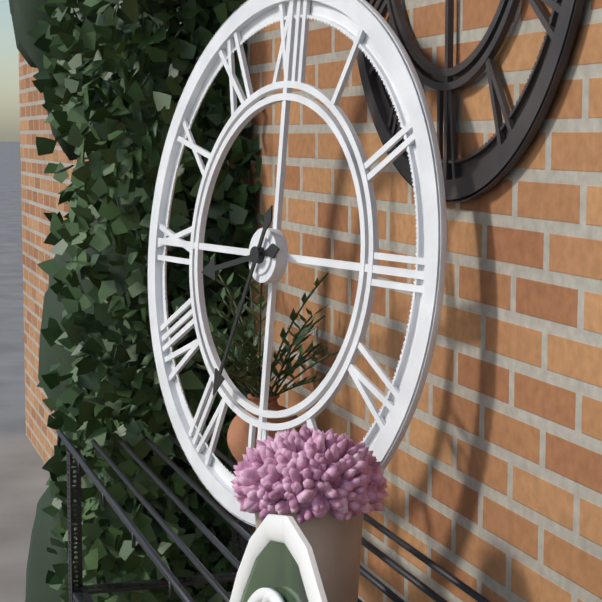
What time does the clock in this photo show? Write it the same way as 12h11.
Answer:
8h34
